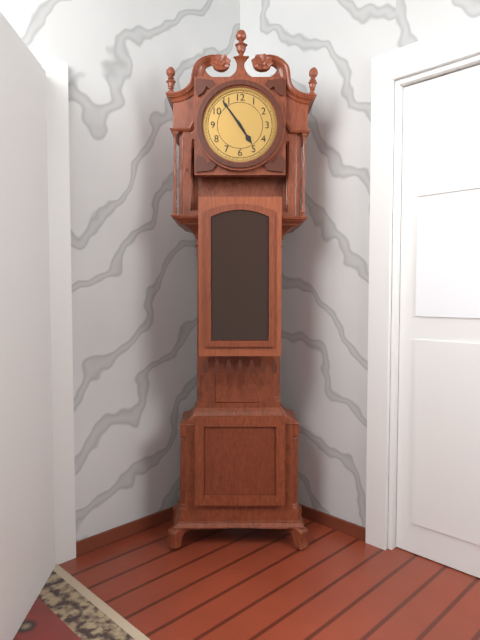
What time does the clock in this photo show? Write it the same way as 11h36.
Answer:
4h54
